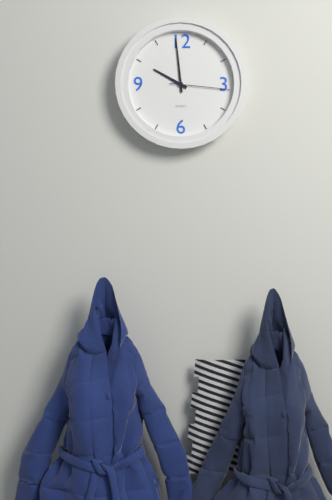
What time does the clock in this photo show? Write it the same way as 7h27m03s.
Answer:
9h59m16s
